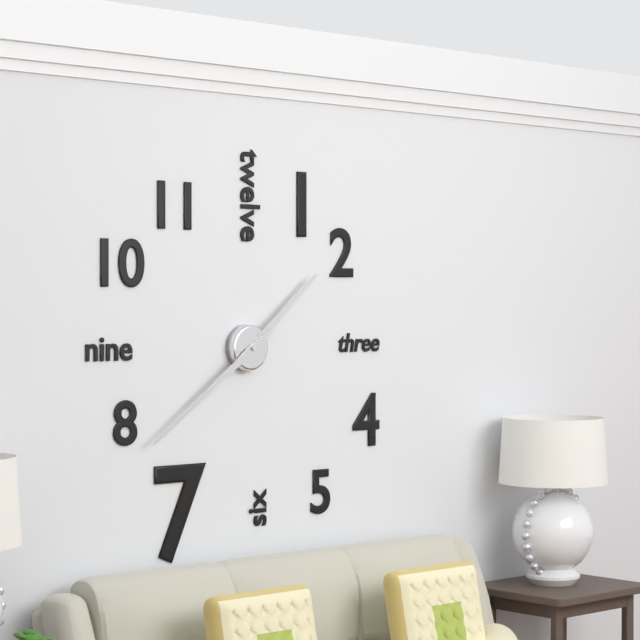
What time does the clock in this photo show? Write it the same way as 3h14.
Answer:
1h39
